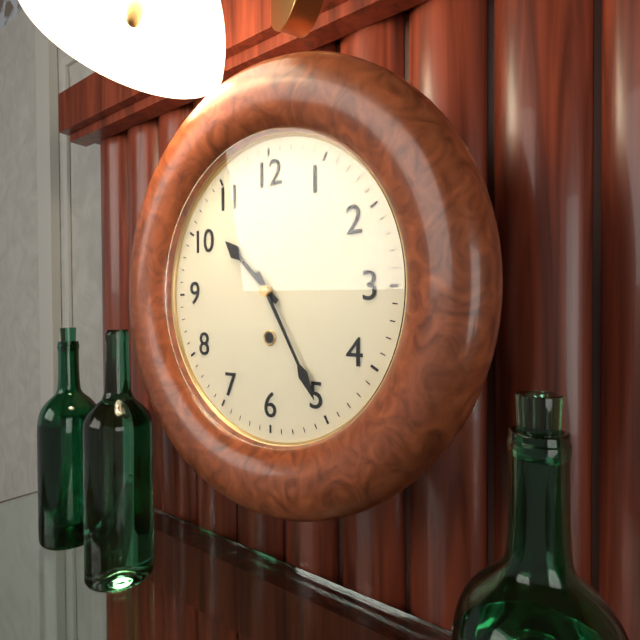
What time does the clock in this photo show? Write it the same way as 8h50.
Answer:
10h25
